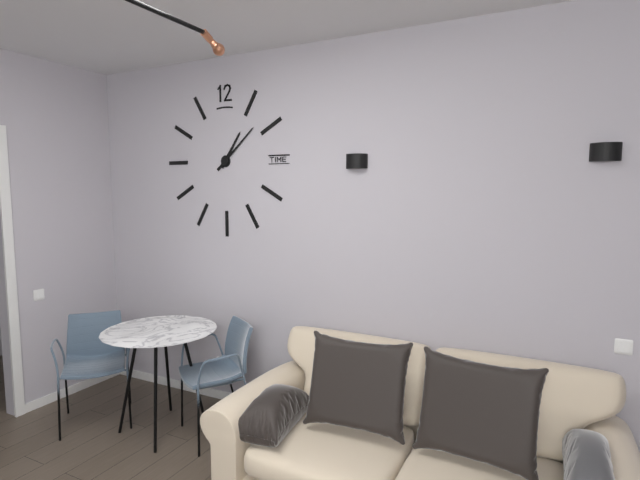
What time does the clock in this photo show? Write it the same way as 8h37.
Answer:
1h08
